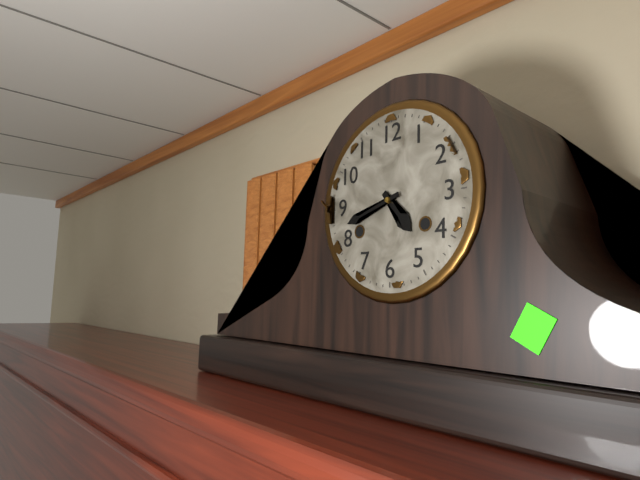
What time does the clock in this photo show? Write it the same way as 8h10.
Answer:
4h42
